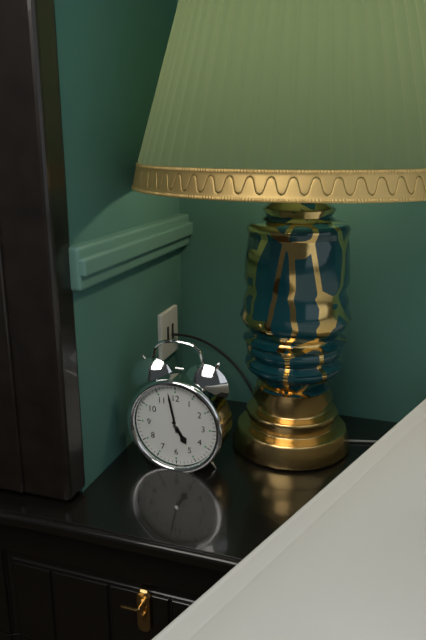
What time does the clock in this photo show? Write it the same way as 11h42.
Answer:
4h58
